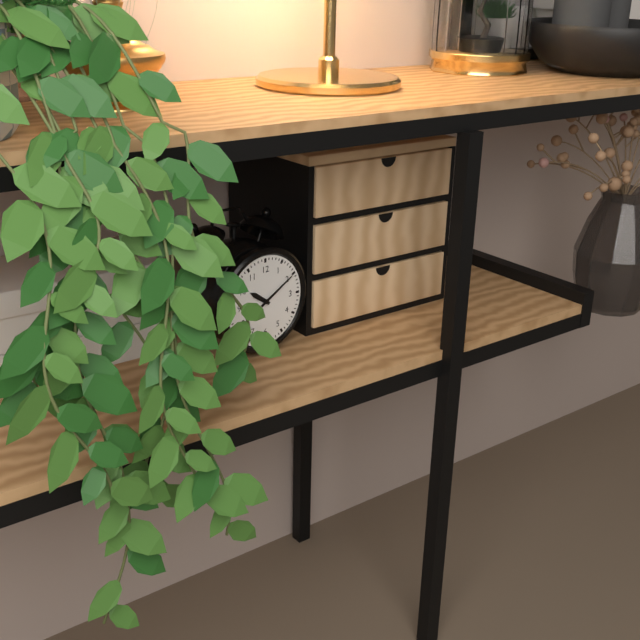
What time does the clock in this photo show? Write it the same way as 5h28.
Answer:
10h10
